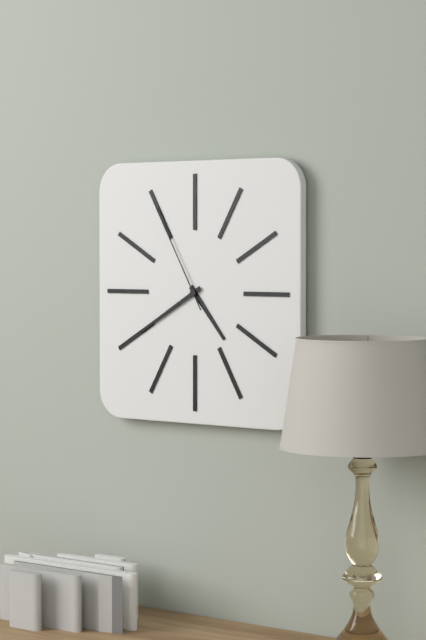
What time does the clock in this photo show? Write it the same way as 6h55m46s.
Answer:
4h40m55s
